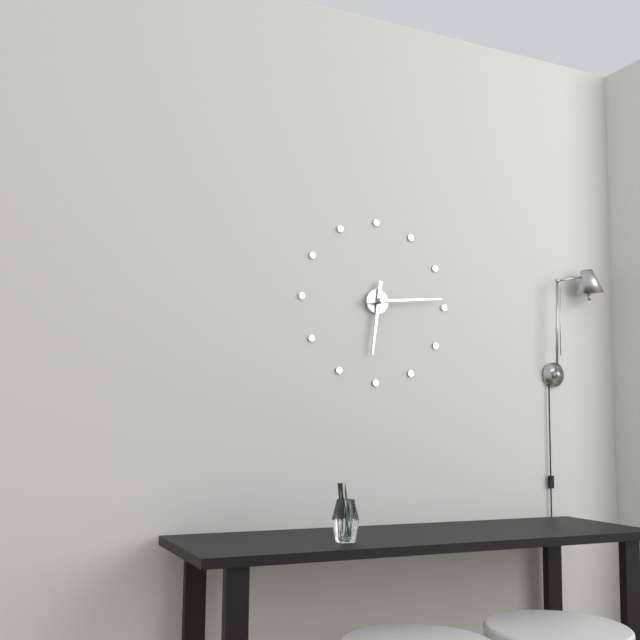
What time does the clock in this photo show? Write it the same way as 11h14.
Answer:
6h14
